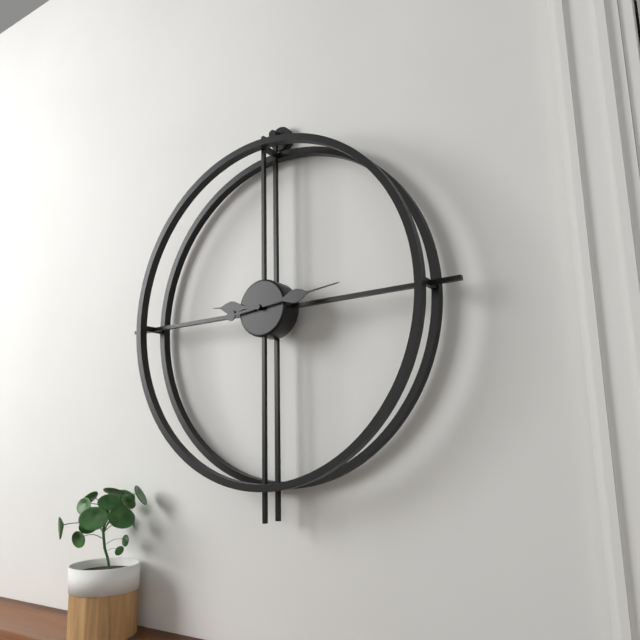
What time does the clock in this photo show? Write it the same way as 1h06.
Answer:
9h14
